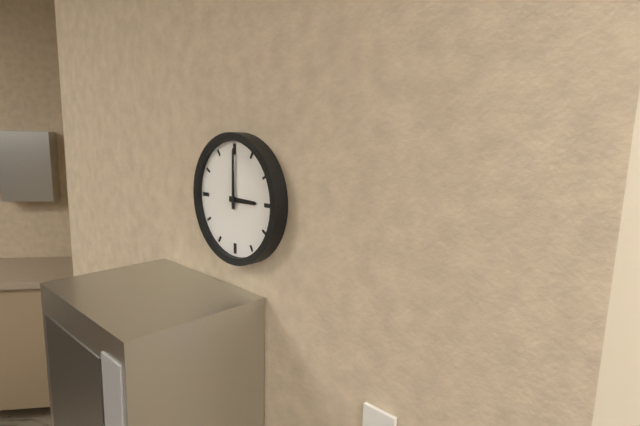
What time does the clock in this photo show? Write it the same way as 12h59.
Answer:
3h00
